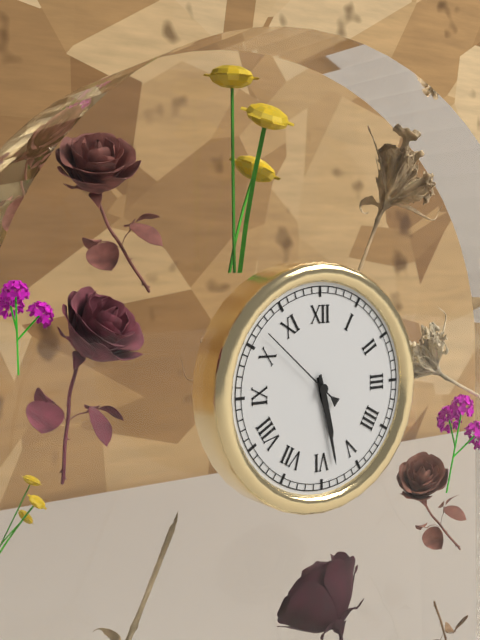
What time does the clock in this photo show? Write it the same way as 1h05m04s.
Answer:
5h28m52s
